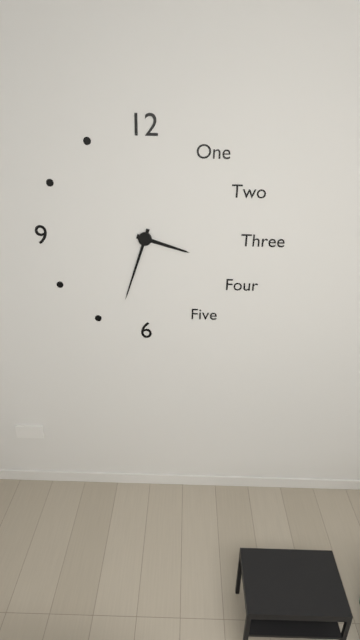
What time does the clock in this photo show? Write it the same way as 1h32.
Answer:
3h33
